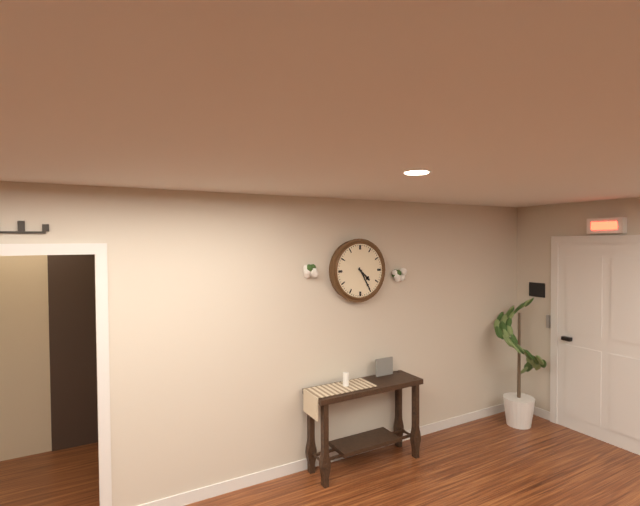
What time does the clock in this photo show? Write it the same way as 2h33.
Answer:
4h25
